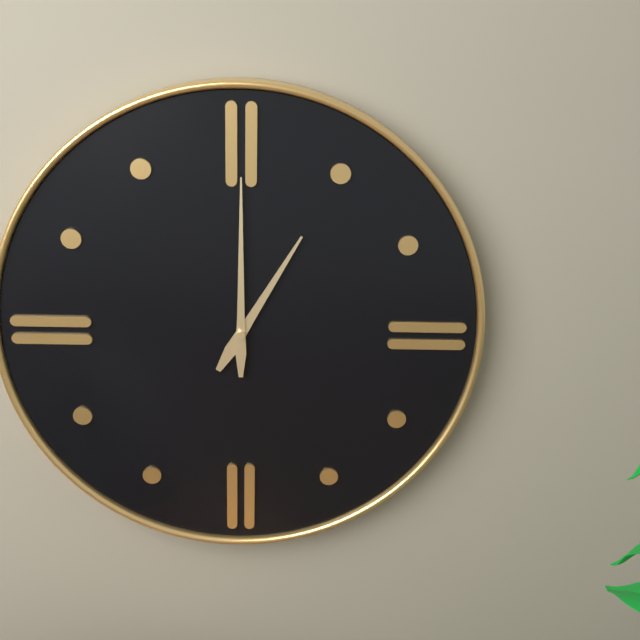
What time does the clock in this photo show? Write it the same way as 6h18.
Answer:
1h00
